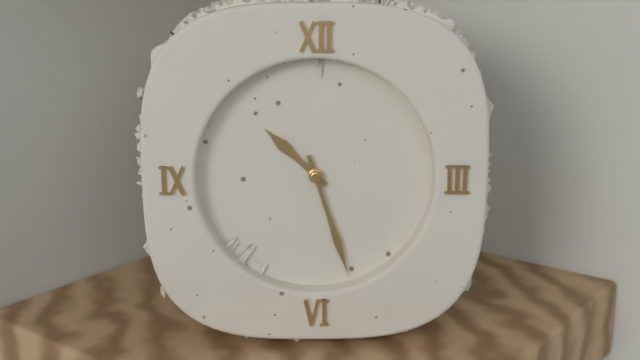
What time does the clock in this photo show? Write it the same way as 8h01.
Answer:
10h27
